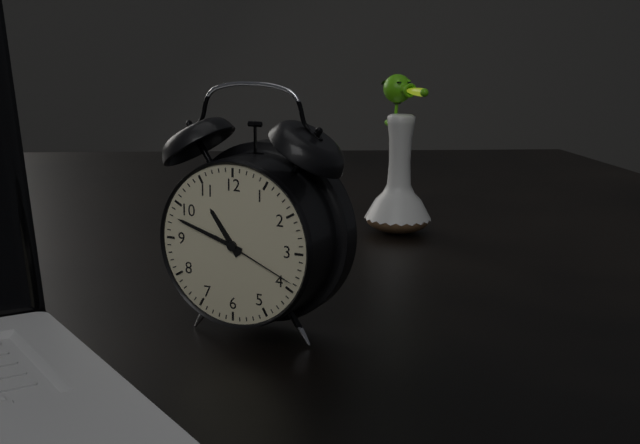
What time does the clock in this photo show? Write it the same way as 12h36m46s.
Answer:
10h48m19s
